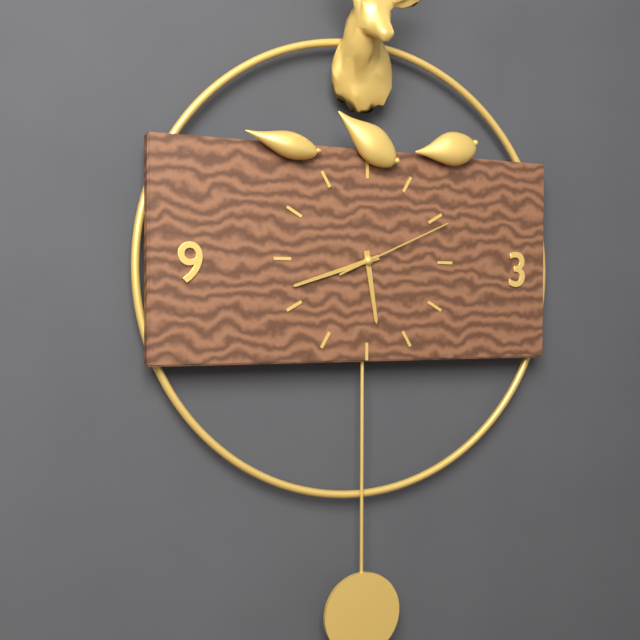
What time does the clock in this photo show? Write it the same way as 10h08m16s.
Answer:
5h42m11s
